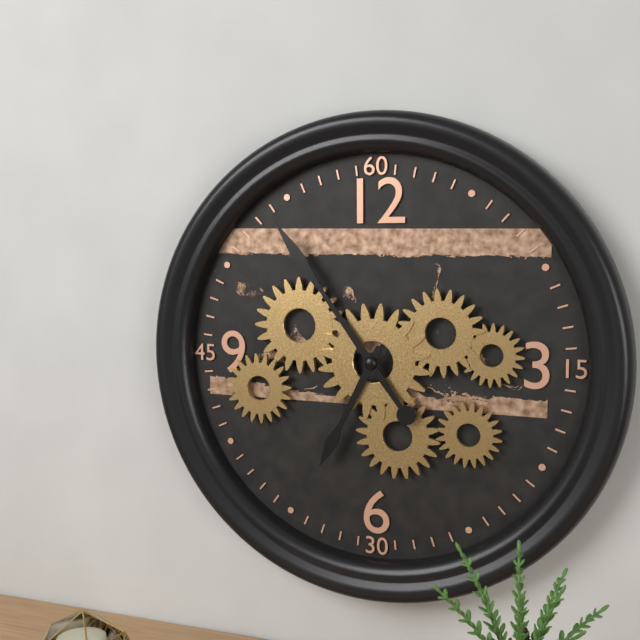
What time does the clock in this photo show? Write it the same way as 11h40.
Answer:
6h54
